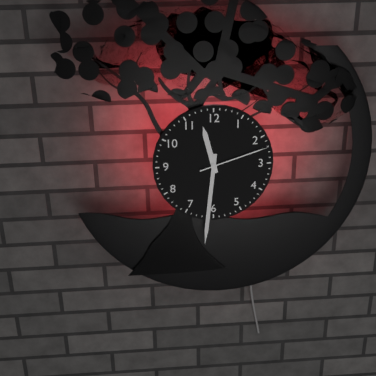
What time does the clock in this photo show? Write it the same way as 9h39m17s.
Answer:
11h31m12s
